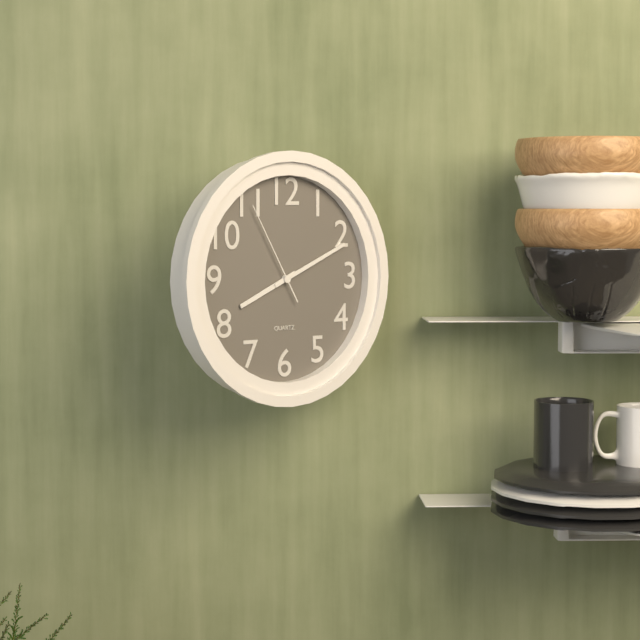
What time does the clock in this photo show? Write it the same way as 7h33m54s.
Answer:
8h11m55s
